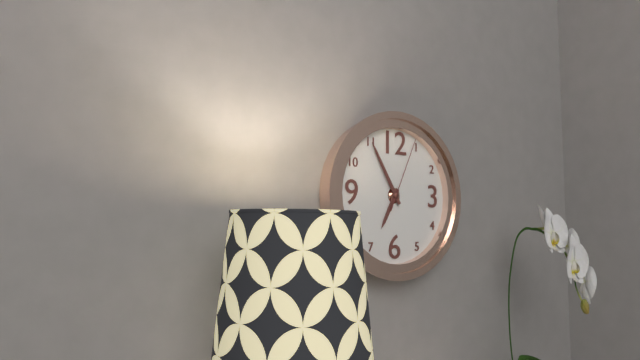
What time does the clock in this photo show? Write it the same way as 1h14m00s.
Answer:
6h55m04s
